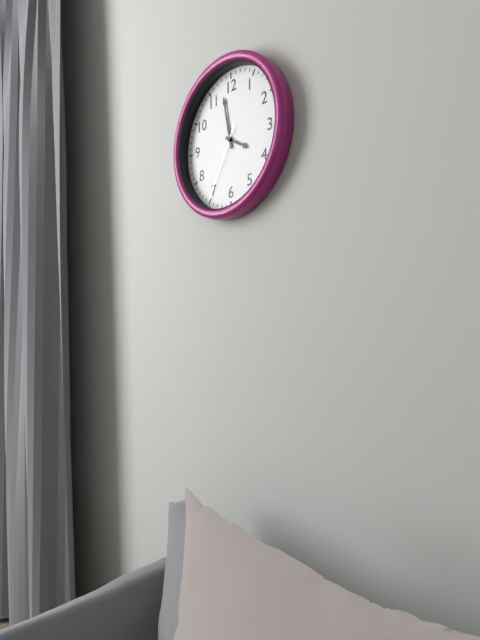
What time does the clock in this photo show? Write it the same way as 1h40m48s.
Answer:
3h58m35s
